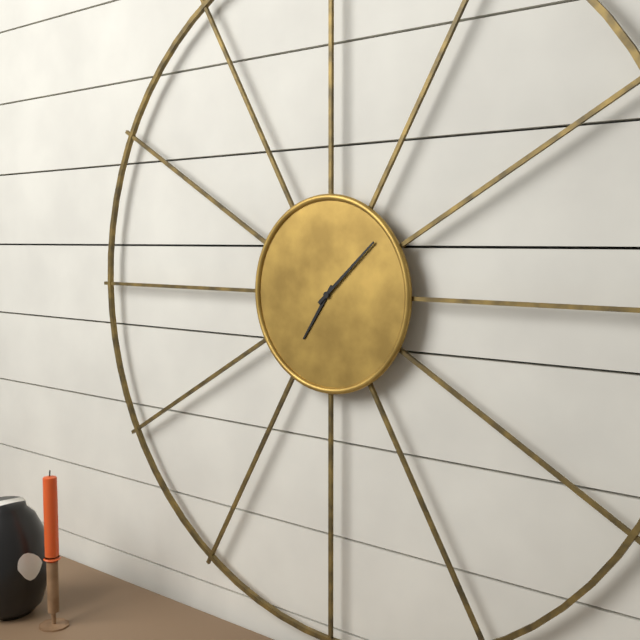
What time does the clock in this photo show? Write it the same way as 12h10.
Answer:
7h08
